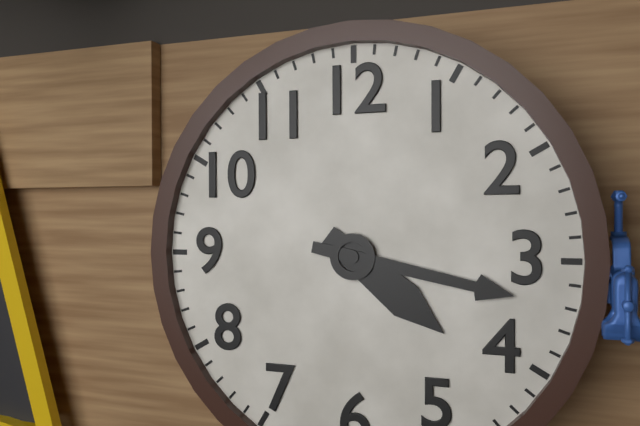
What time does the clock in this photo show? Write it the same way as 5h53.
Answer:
4h17
